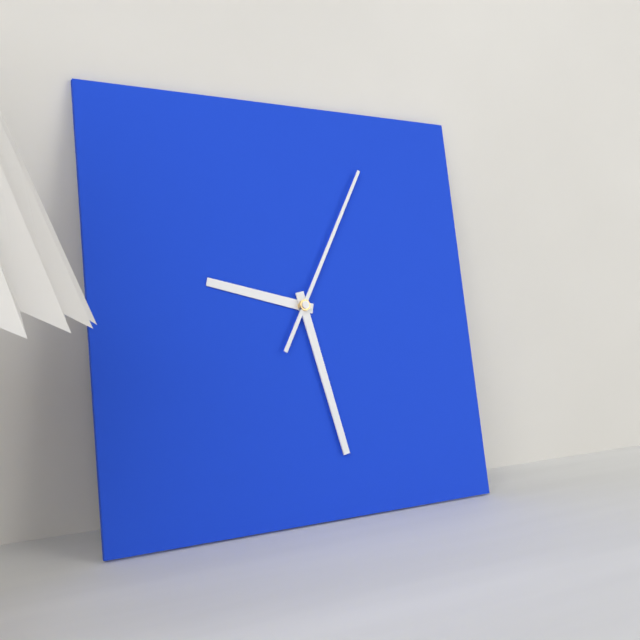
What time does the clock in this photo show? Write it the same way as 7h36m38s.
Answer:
9h28m05s
